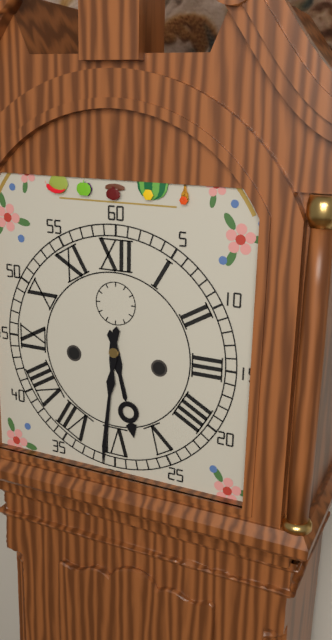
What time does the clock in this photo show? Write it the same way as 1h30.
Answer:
5h31
